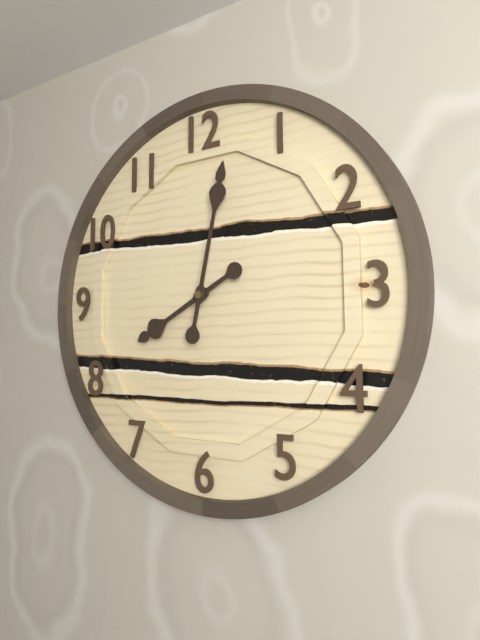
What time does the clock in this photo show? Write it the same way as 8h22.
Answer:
8h02
